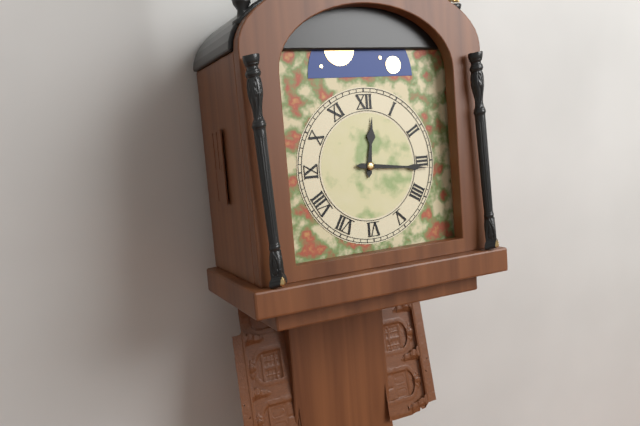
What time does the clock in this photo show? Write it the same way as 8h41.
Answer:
12h16
